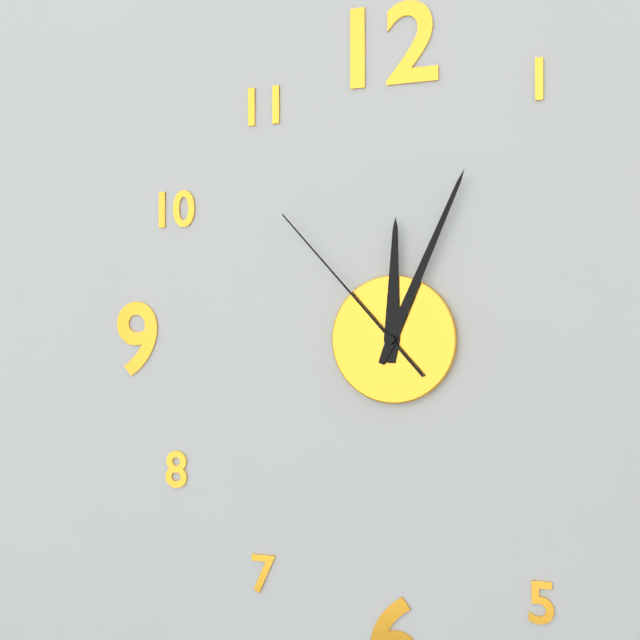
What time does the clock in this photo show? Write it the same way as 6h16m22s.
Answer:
12h04m53s
